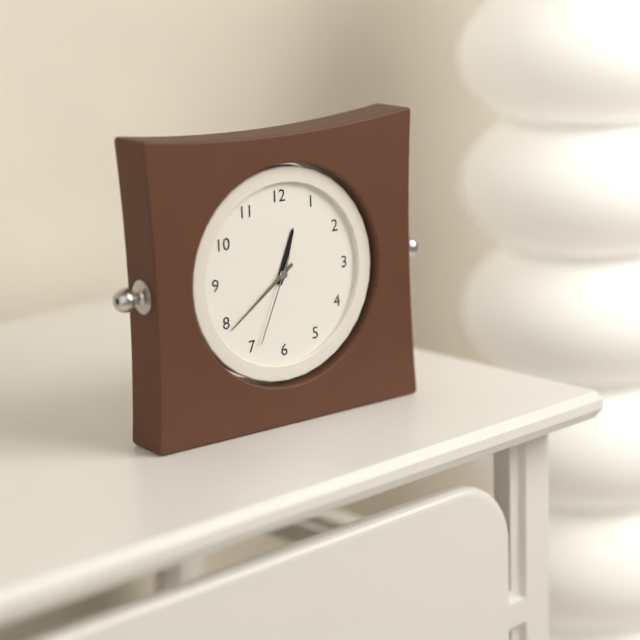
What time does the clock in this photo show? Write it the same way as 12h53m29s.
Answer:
12h39m34s
